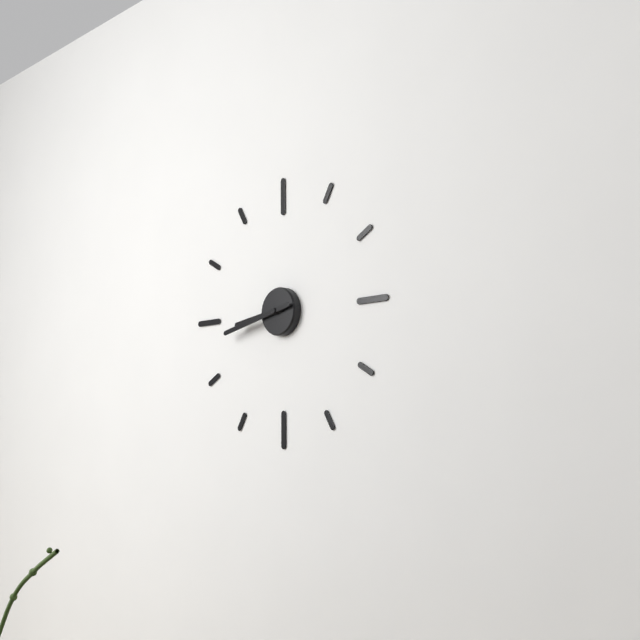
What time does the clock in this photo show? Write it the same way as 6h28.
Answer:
8h43
